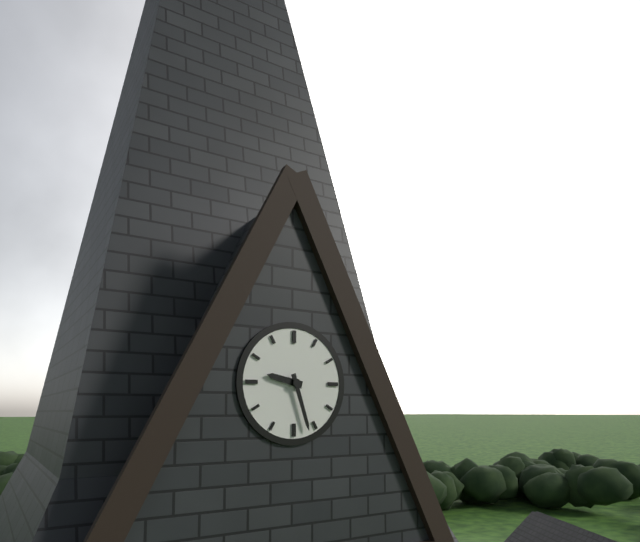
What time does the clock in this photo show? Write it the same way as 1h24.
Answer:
9h27
